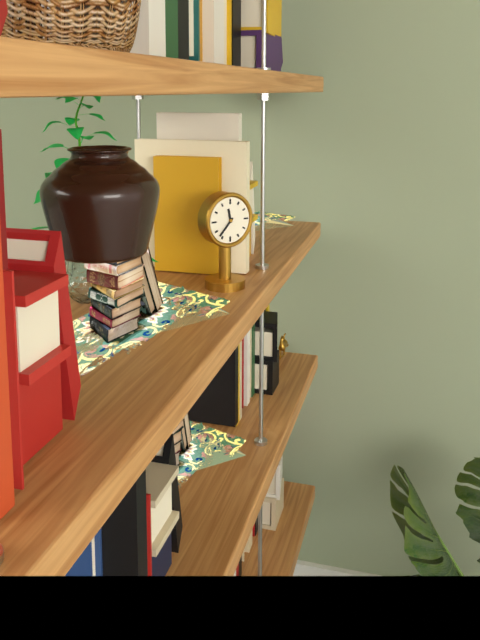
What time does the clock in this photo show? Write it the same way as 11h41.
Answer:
11h37
